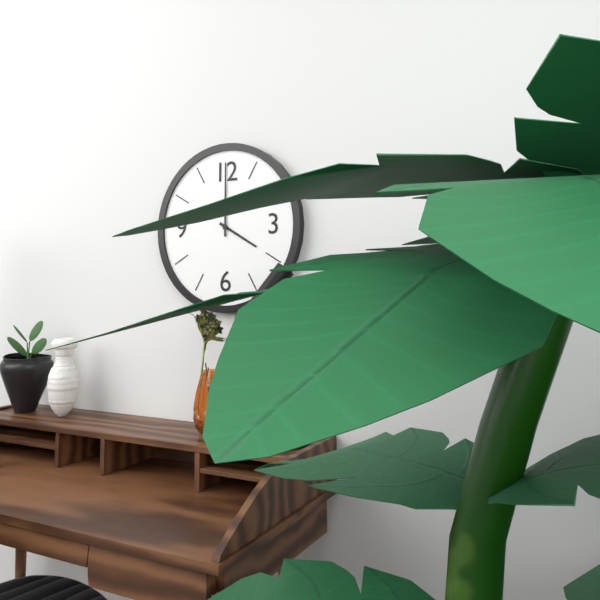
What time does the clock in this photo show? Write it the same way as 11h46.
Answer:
4h00
